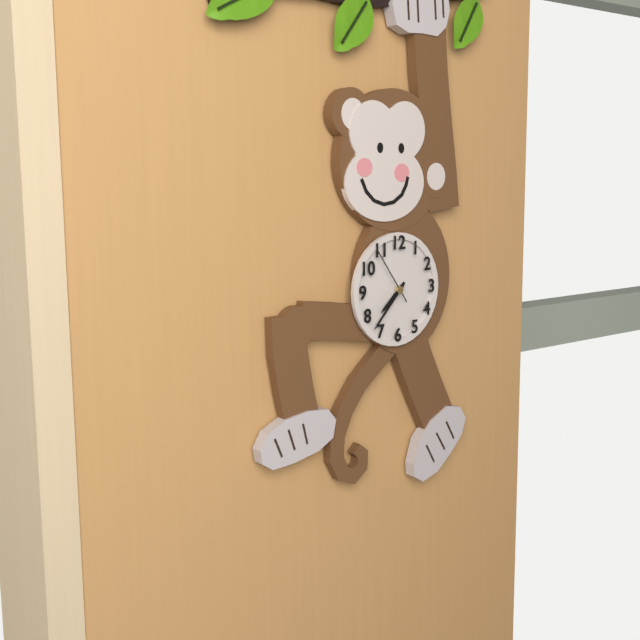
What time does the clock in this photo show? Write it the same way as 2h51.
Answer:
7h37
